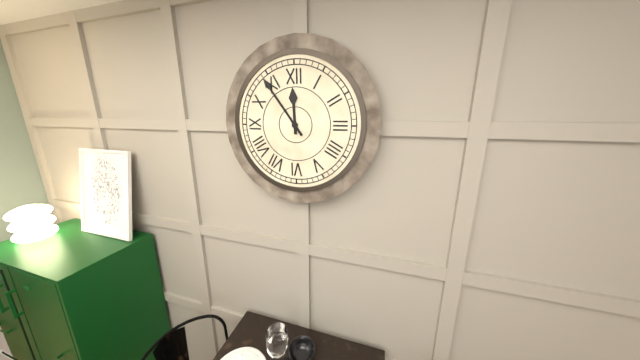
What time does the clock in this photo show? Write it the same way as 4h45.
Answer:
11h54
